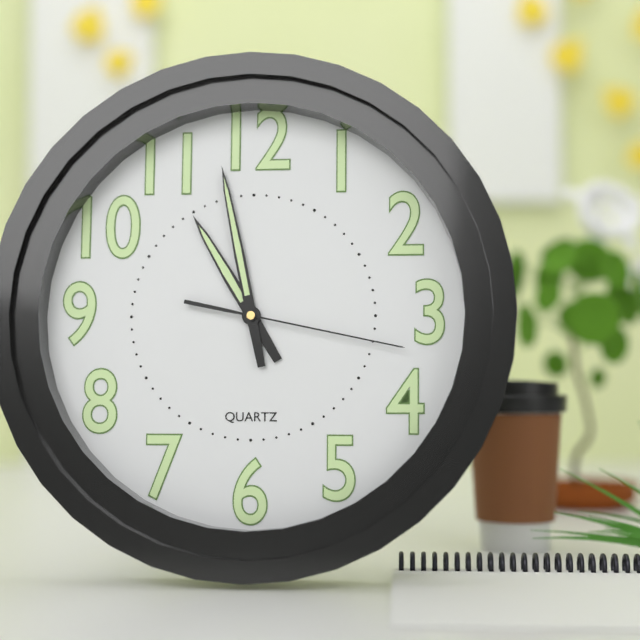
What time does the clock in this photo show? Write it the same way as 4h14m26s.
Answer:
10h58m17s
